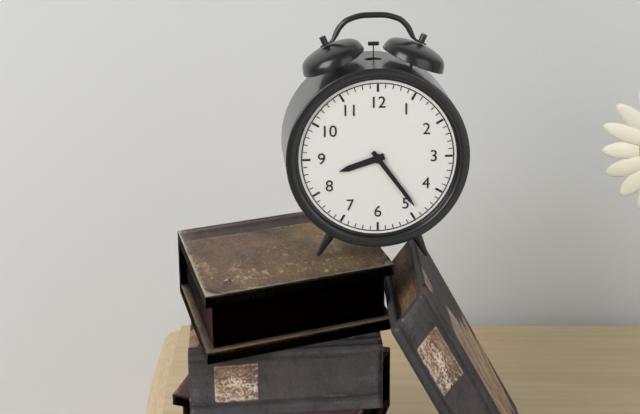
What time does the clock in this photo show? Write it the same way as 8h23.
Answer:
8h24
